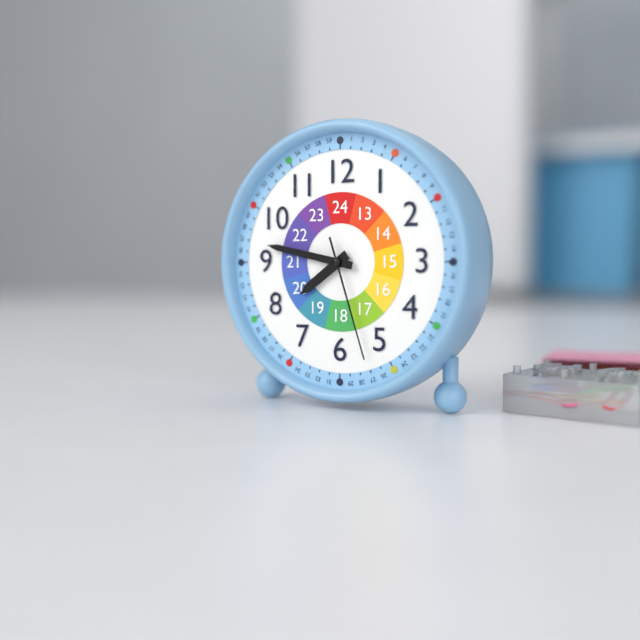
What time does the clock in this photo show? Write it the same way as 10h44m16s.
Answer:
7h47m27s
